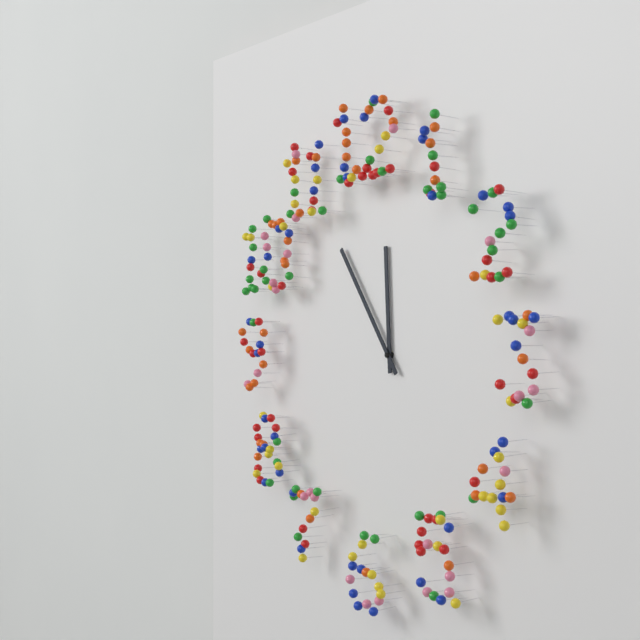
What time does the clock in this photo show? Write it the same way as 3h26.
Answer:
11h54
